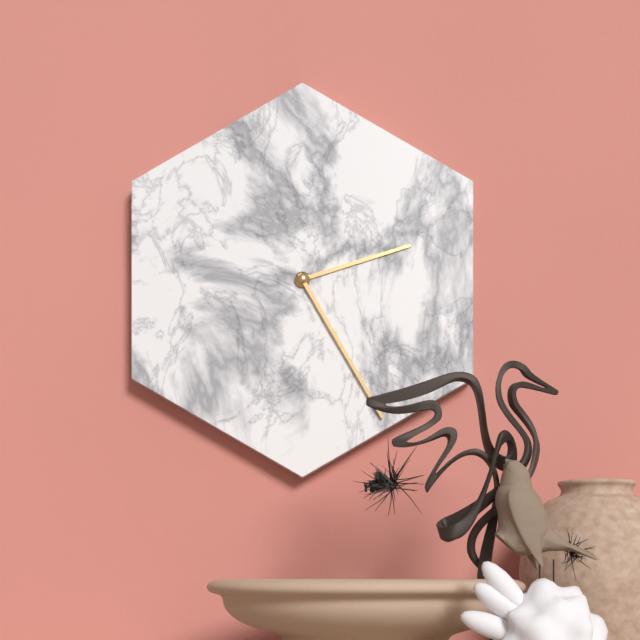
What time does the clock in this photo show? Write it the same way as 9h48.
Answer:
2h25
